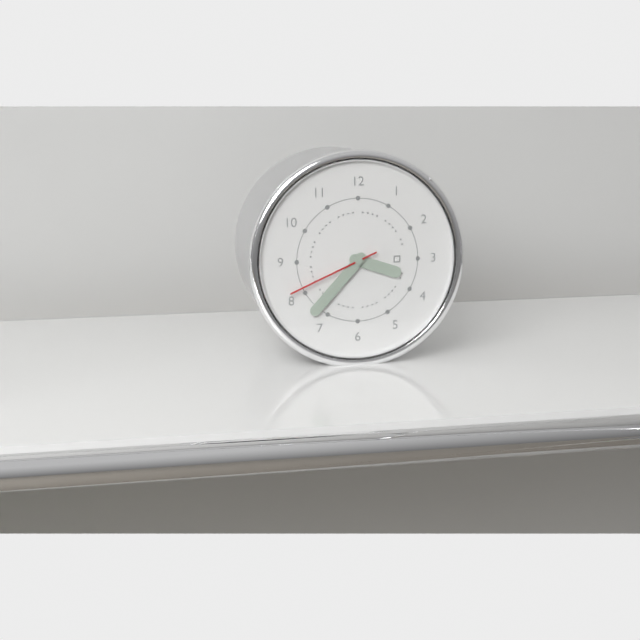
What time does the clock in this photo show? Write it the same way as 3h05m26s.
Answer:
3h37m41s
